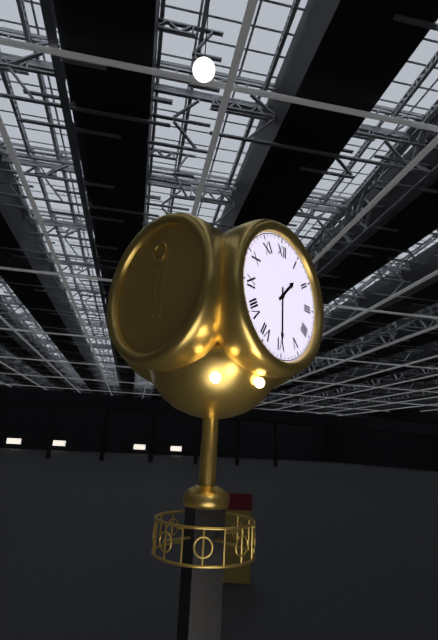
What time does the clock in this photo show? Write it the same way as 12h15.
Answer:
1h30
